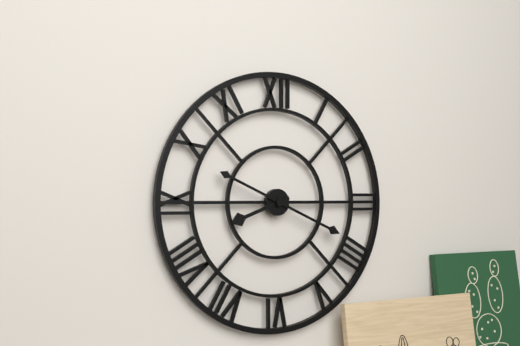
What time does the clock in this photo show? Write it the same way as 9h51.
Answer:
8h19
